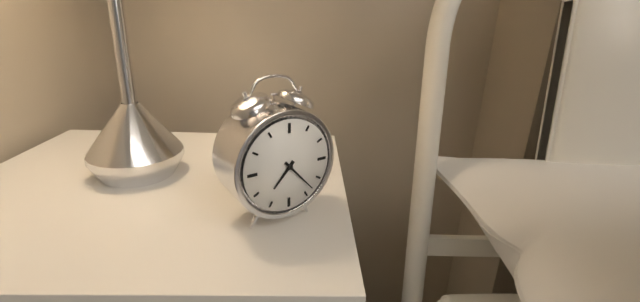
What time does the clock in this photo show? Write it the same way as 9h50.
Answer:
7h23
